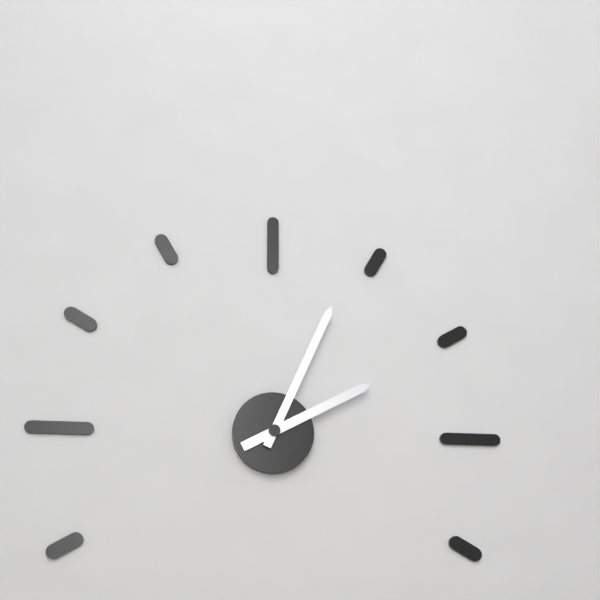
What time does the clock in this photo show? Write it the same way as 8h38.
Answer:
2h04
